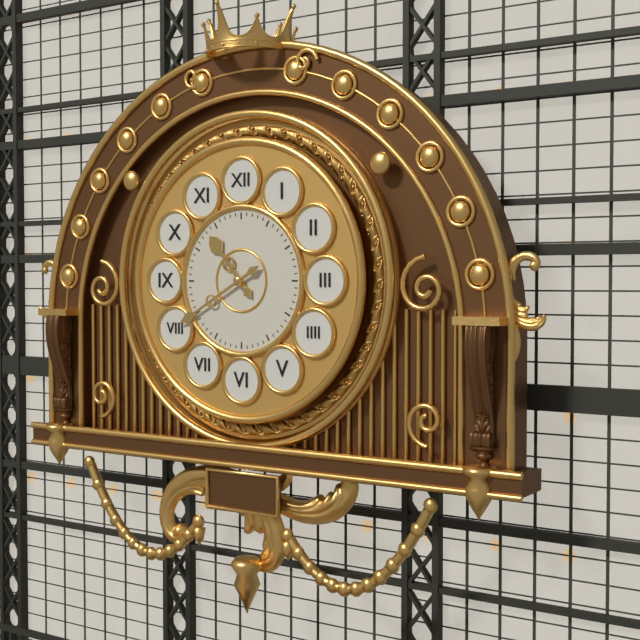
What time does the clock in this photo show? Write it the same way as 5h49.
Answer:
10h40
